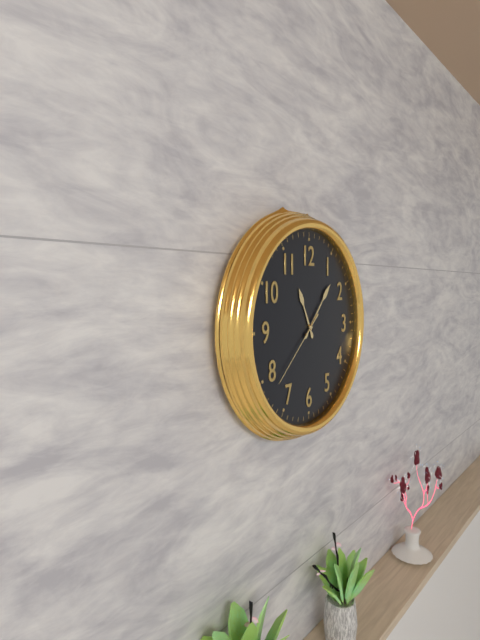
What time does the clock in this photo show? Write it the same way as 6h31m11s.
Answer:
11h07m38s
